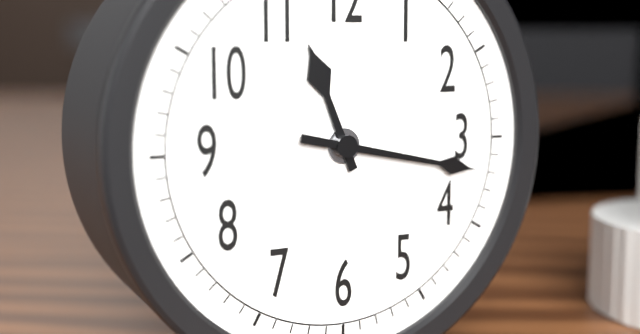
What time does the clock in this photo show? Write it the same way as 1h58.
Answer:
11h17
